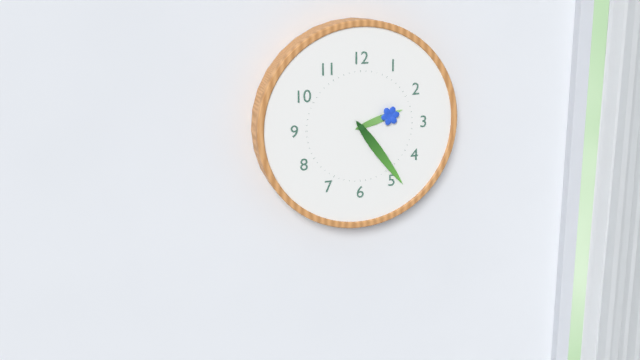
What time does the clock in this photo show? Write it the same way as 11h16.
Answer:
2h24
